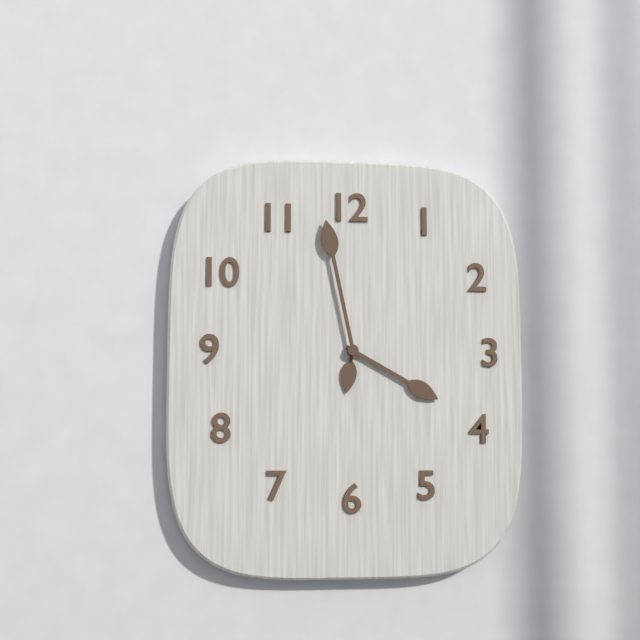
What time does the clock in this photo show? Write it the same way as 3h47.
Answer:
3h58
